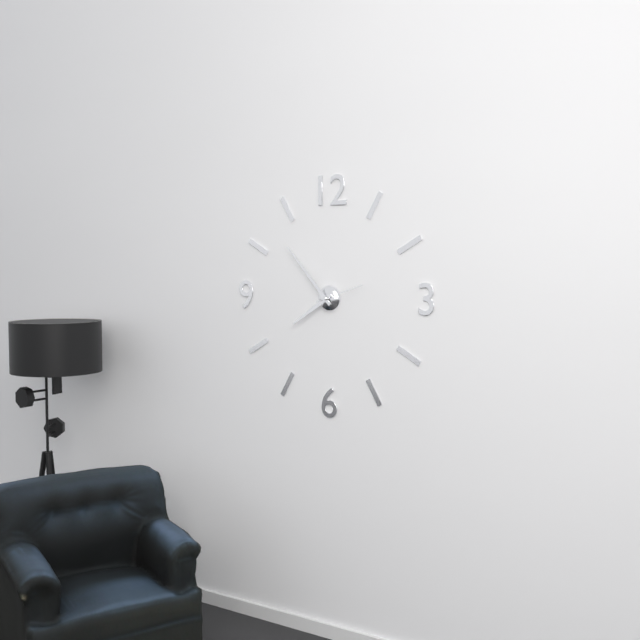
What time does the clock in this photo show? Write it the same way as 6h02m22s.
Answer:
7h53m12s
